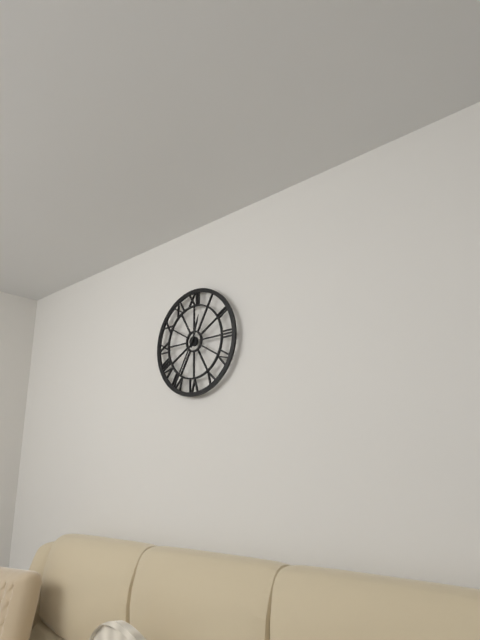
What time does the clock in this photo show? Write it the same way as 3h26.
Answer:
12h35
